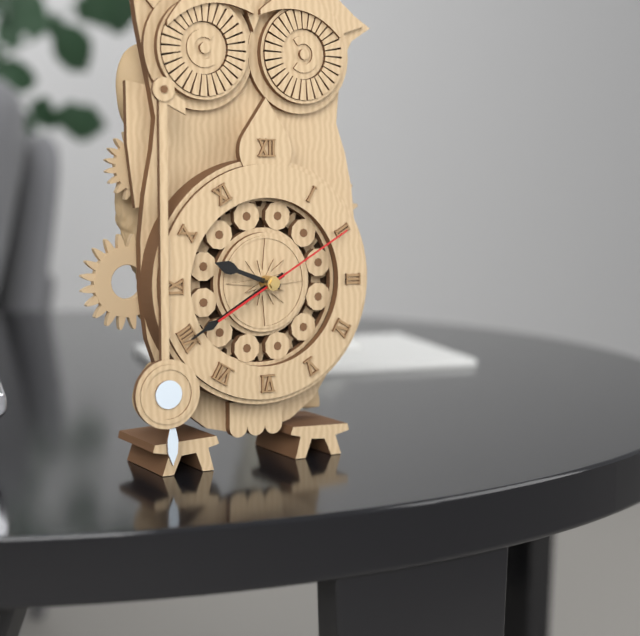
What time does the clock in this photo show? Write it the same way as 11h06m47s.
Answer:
9h40m10s
